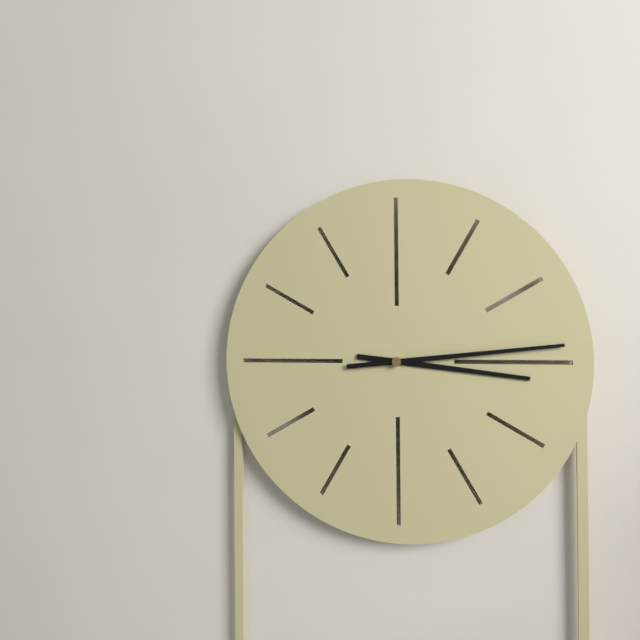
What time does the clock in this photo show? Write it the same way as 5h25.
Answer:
3h14
